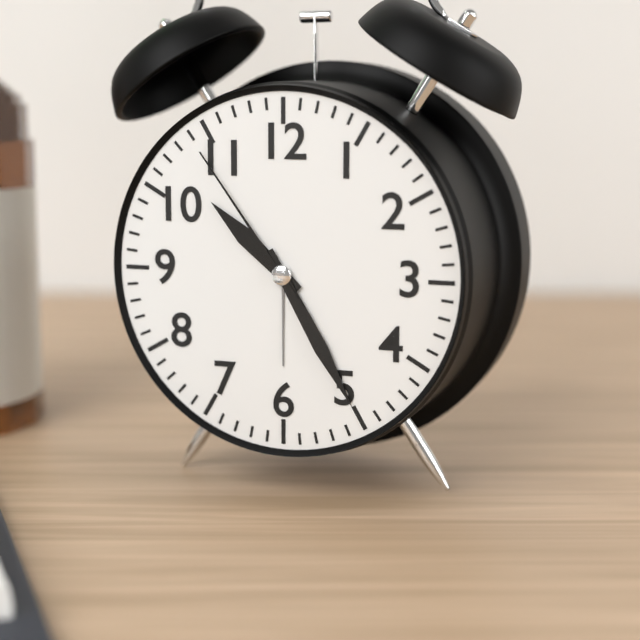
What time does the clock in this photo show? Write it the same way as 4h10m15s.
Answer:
10h25m54s
